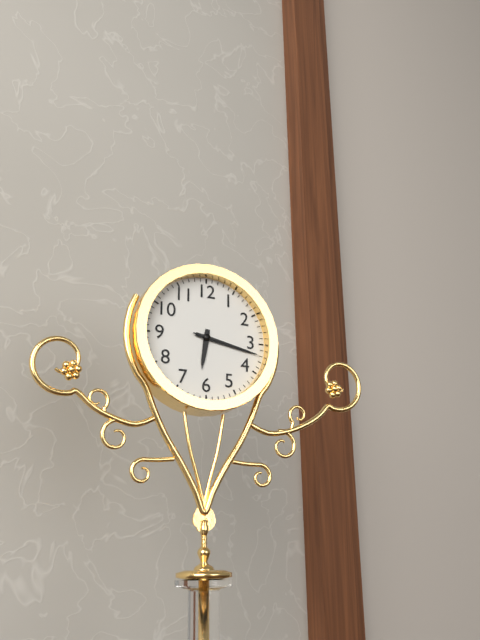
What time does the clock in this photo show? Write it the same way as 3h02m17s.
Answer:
6h17m17s
